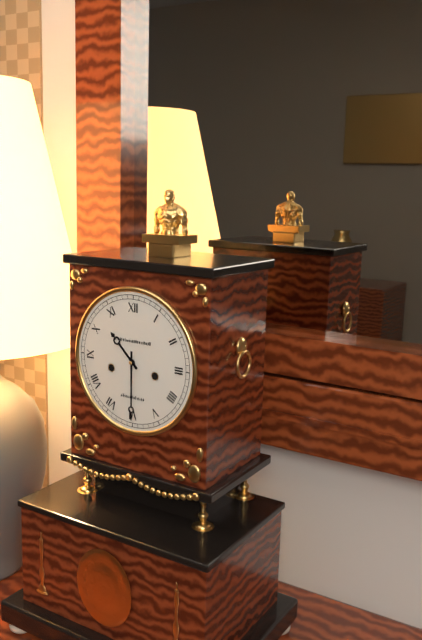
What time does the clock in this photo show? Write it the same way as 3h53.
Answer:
10h30
